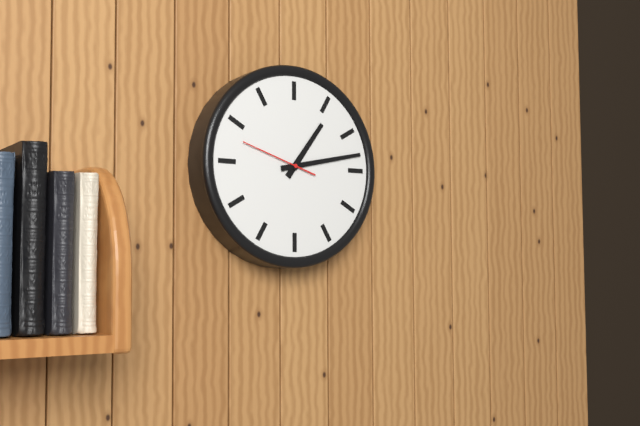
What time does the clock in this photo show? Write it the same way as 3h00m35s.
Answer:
1h13m48s
